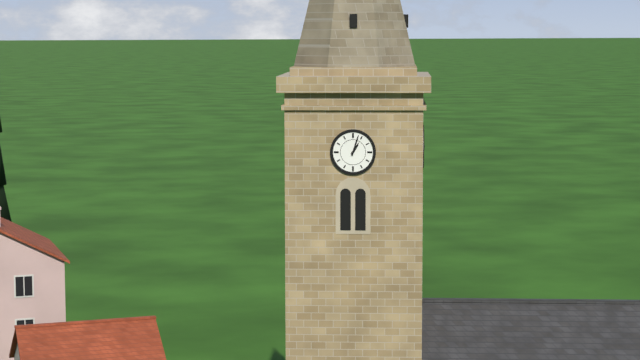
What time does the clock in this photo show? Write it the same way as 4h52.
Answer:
1h03
